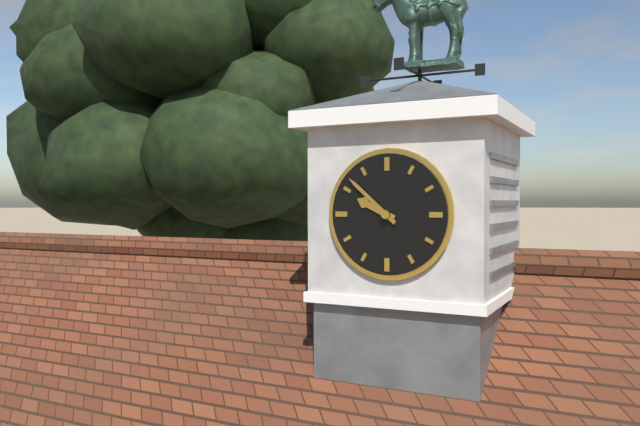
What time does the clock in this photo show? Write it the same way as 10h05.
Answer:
9h52
